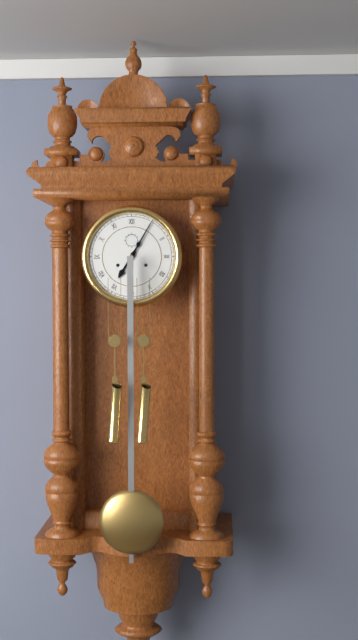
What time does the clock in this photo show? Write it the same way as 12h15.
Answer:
7h05
